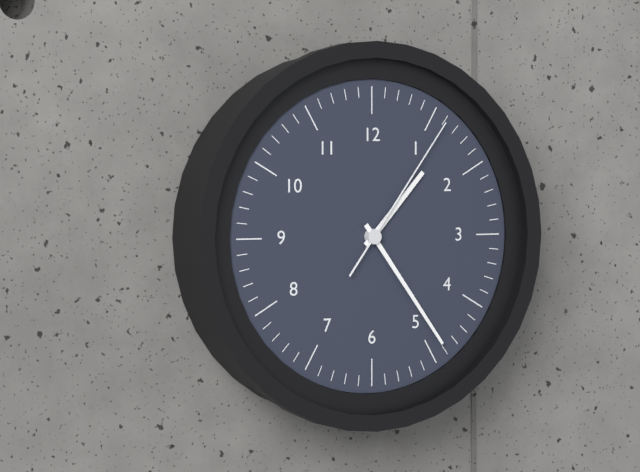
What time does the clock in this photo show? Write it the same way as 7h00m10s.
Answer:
1h24m06s
